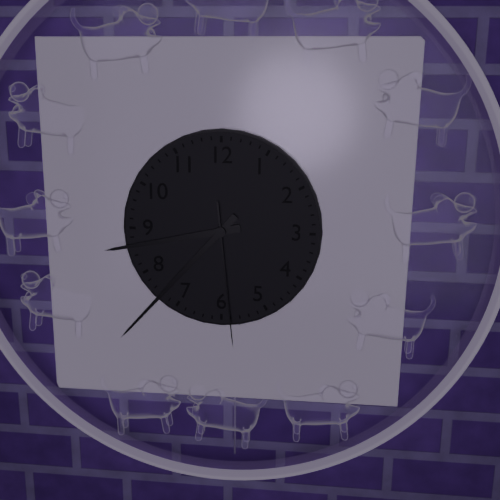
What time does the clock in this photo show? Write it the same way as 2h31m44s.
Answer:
8h37m29s
